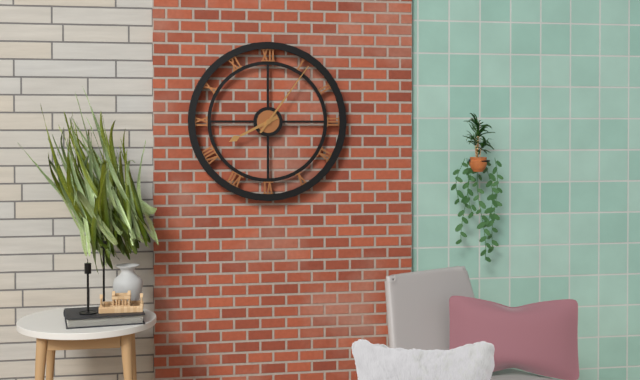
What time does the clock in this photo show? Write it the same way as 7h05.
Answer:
8h06
